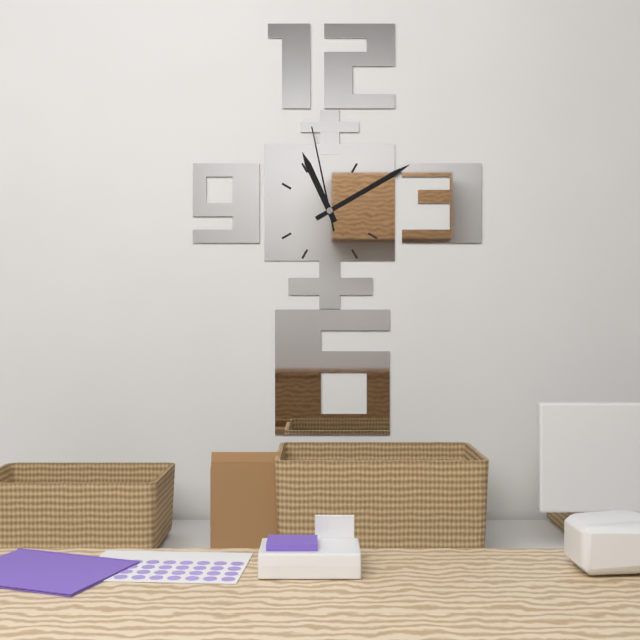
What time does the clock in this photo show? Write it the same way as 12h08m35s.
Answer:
11h10m58s
